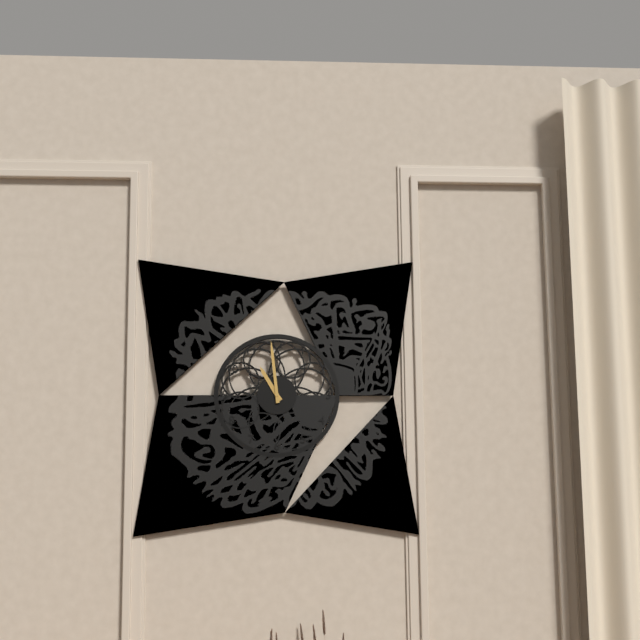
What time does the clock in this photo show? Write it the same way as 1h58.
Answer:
10h59
